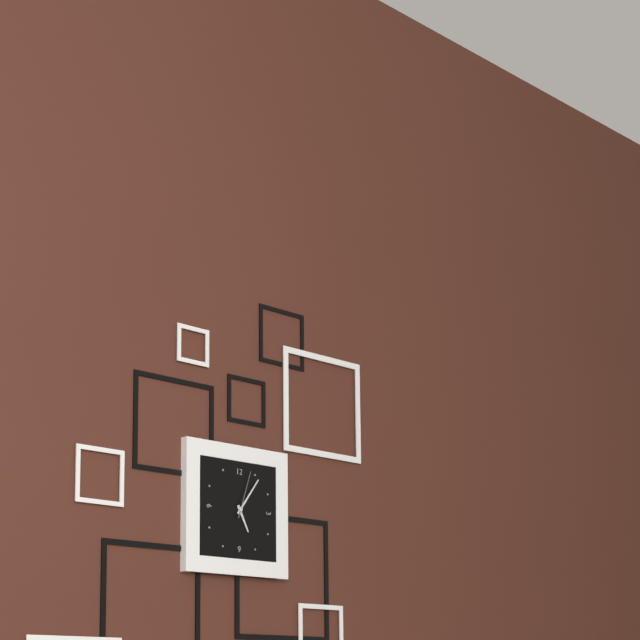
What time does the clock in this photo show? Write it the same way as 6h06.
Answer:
5h06
